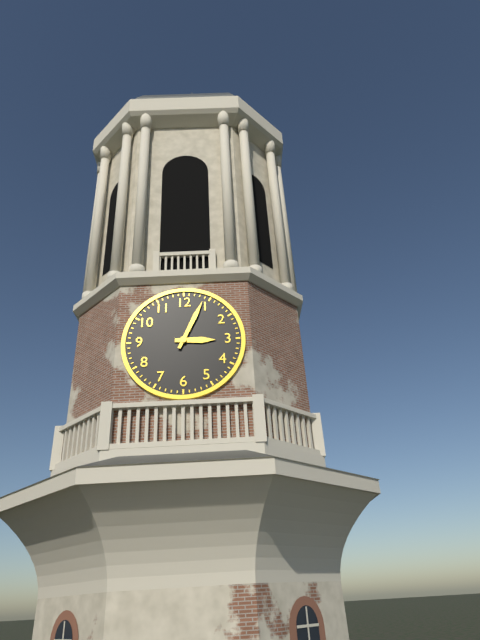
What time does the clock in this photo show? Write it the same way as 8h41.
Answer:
3h04
